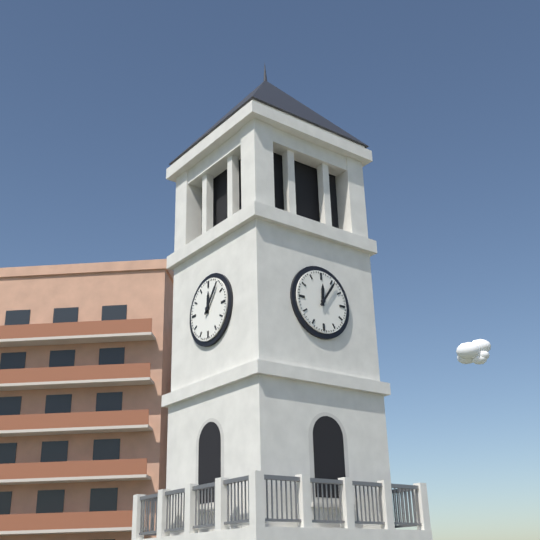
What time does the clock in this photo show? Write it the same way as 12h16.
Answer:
12h06
